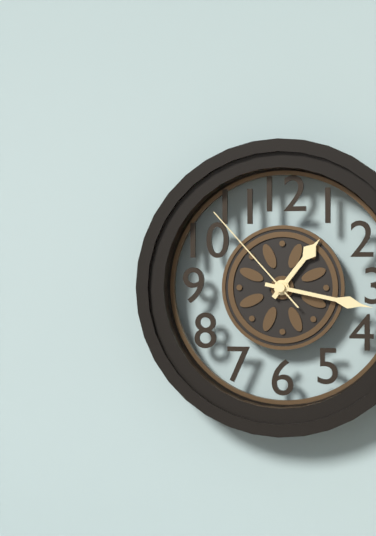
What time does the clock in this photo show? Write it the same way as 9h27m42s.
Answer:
1h17m53s
